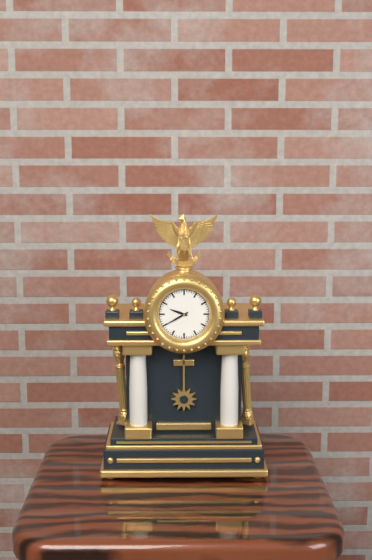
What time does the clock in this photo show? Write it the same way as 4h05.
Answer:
9h40
